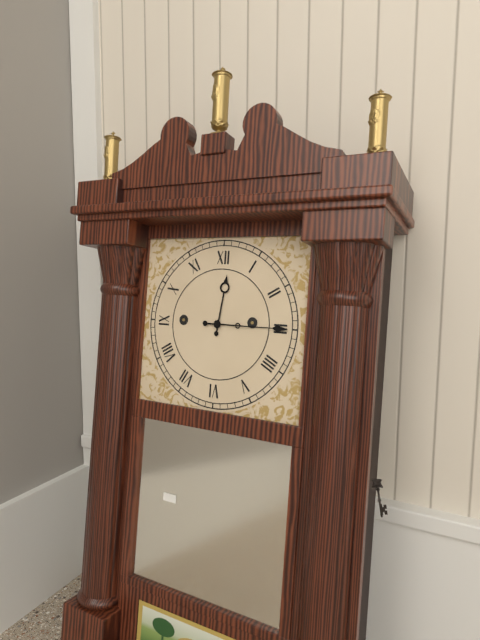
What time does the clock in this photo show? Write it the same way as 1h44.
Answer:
12h15
